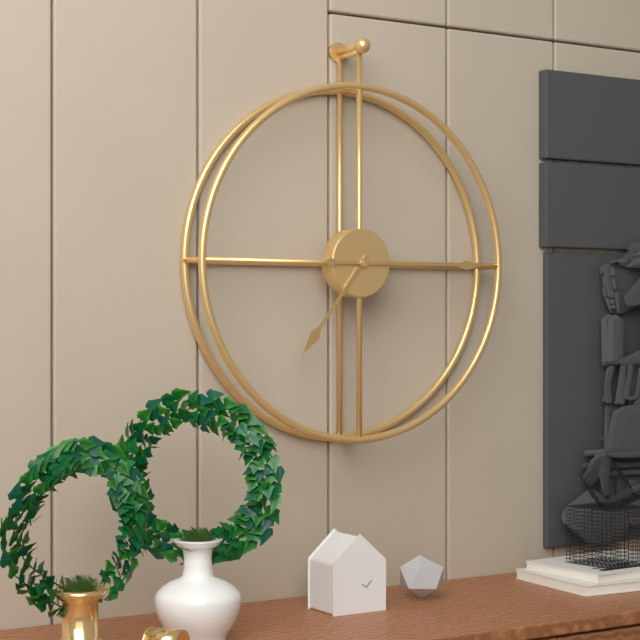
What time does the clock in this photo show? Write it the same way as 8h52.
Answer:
7h15
